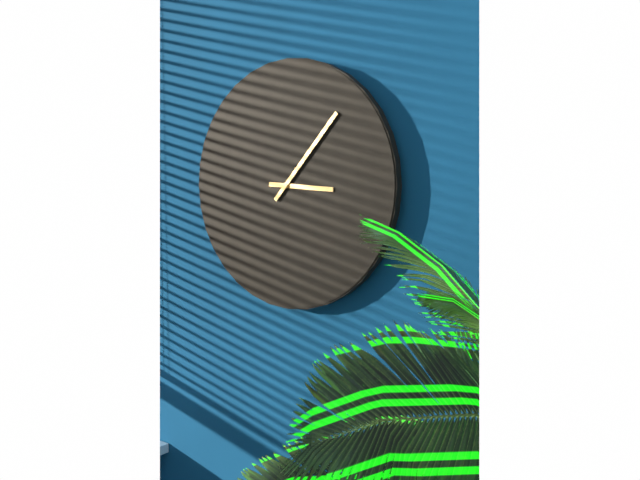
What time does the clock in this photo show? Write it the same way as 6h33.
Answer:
3h07
